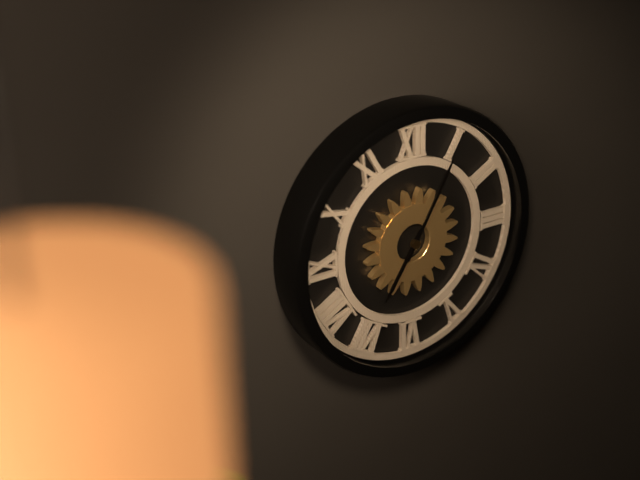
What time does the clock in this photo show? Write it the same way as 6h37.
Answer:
7h05
